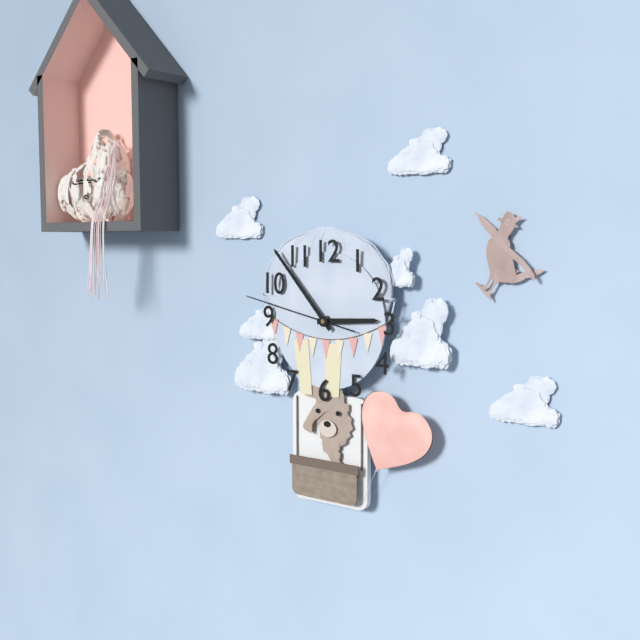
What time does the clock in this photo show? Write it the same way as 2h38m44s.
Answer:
2h53m47s
